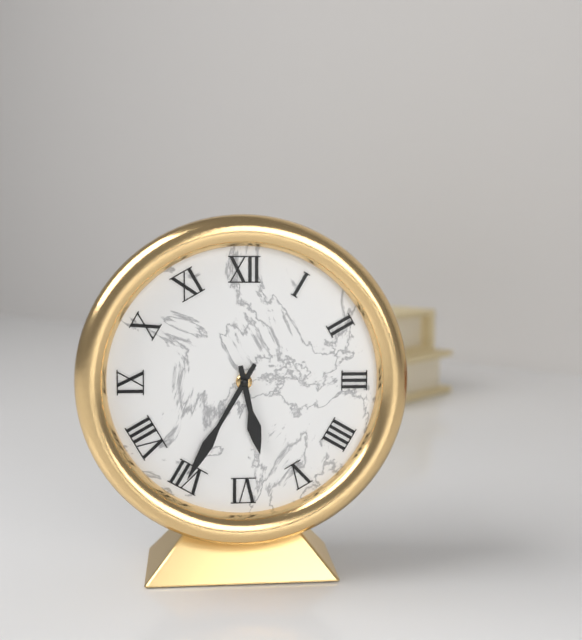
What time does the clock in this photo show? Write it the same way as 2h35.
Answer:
5h35
